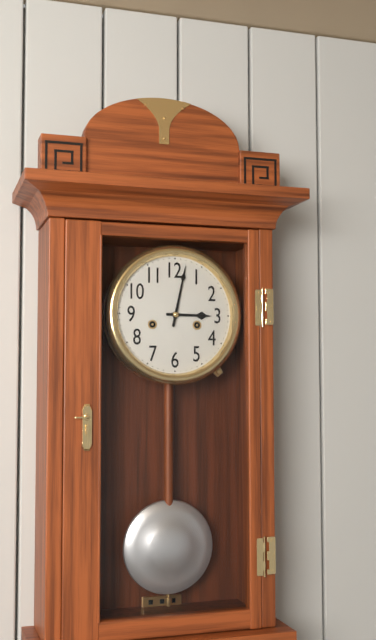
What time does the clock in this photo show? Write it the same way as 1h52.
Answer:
3h02
